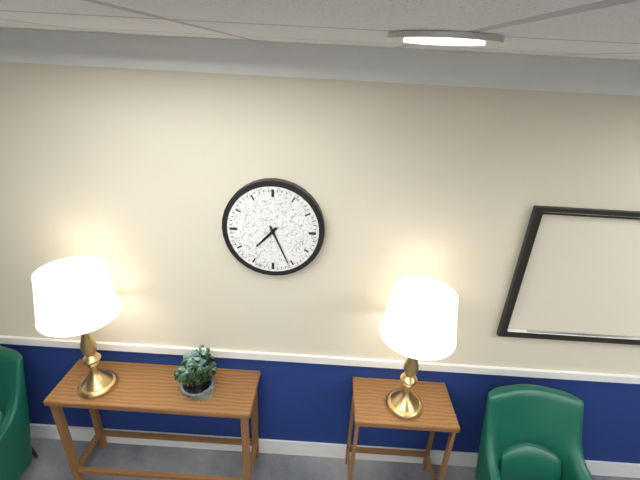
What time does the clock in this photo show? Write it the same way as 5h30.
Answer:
7h26
